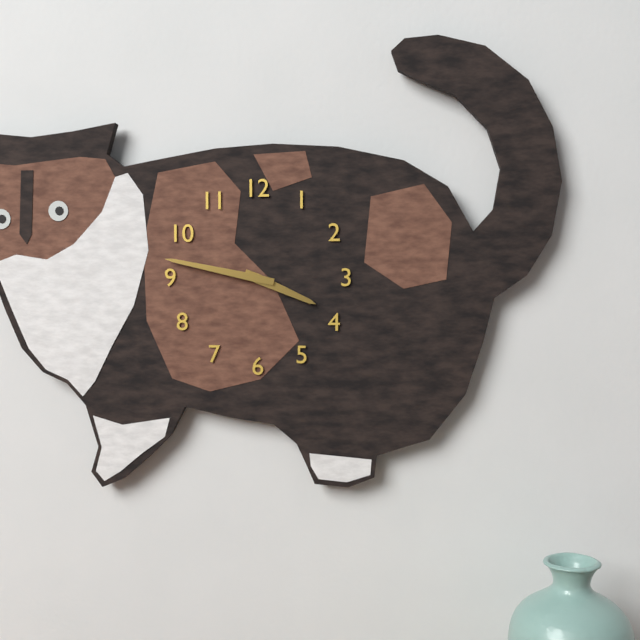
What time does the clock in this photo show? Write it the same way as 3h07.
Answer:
3h47
